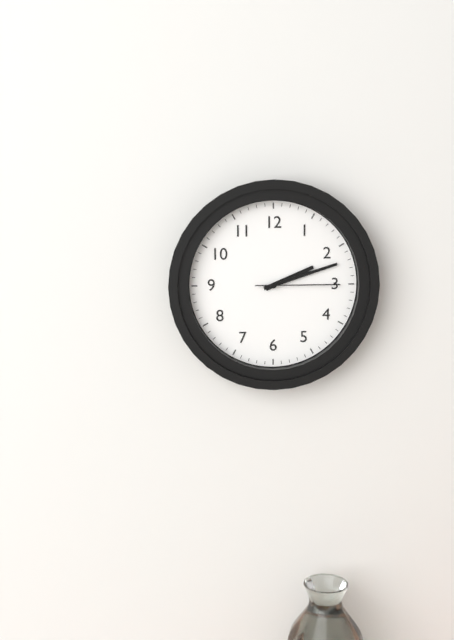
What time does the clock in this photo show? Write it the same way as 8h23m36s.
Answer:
2h12m15s
